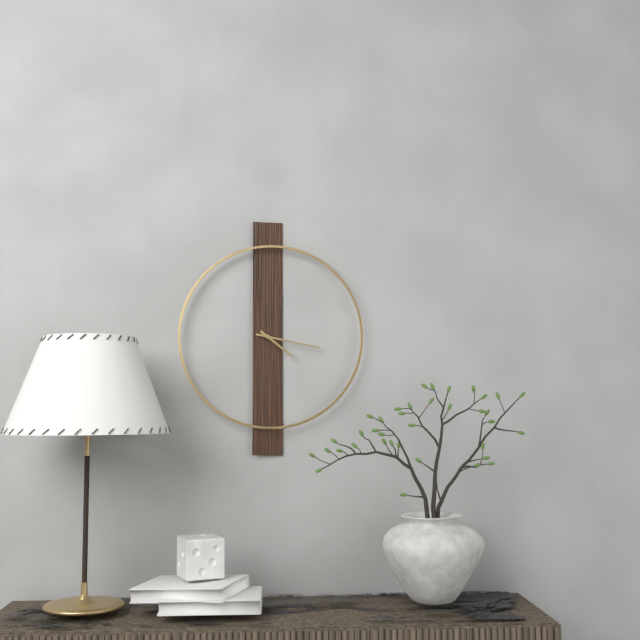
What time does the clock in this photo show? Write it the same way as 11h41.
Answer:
4h17
